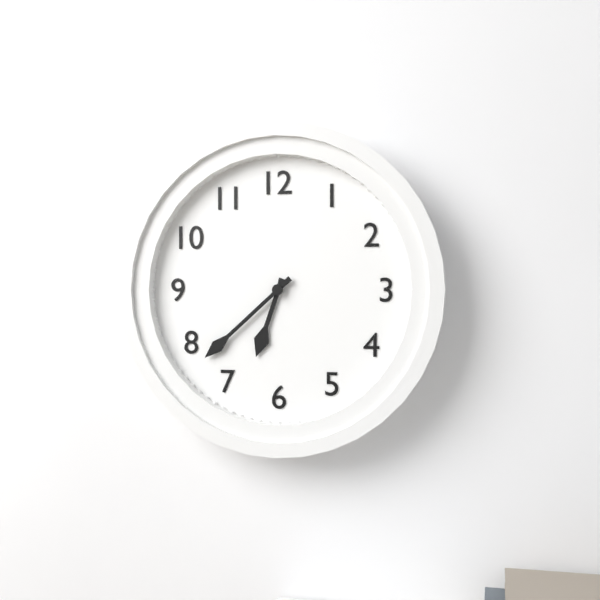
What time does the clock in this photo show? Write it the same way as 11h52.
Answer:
6h38
